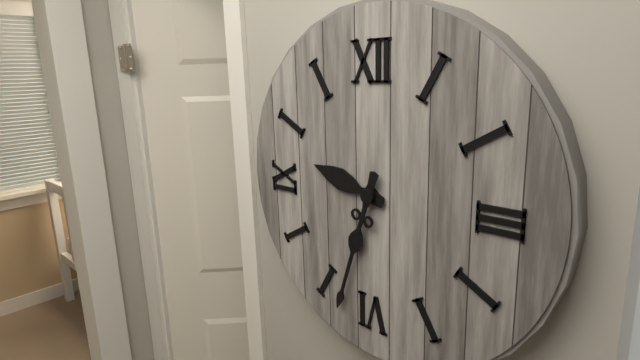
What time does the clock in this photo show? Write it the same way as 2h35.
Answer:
9h33
